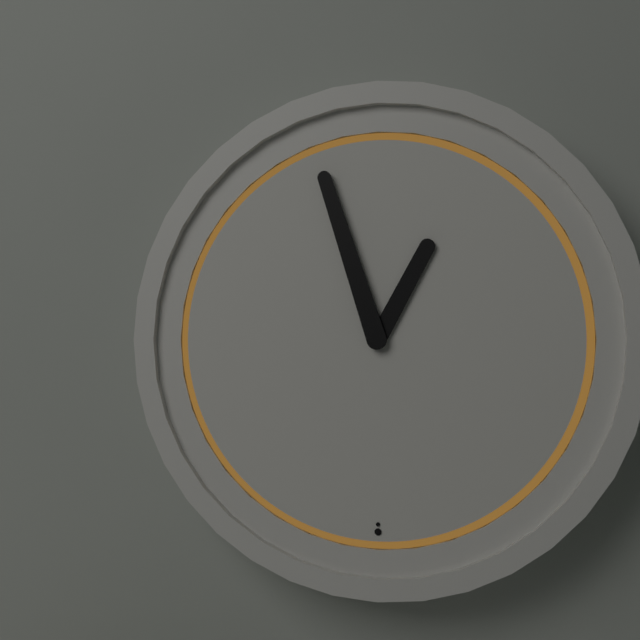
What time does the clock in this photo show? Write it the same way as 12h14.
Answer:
12h57
